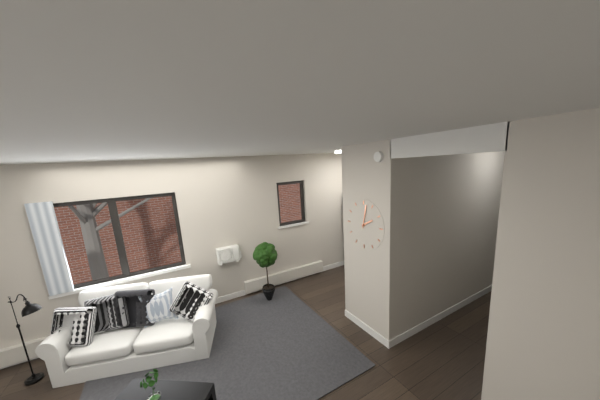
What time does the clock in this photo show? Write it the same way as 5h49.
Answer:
2h02
